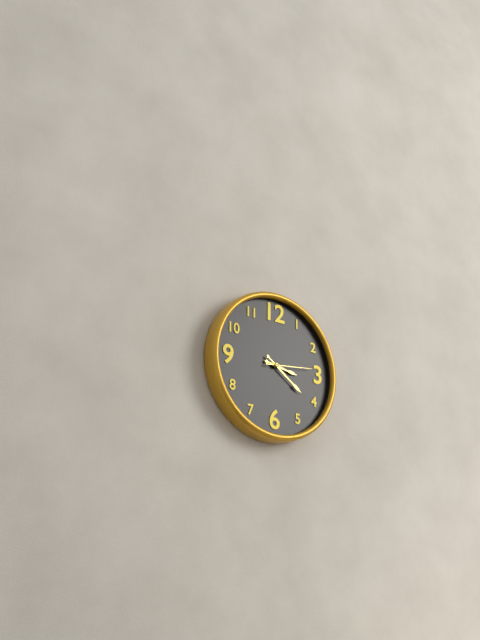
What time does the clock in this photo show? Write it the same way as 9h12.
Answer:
3h21
